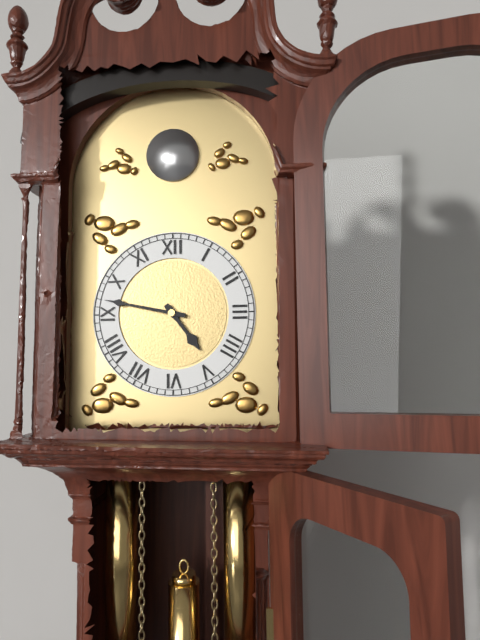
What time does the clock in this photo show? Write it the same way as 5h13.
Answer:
4h47
